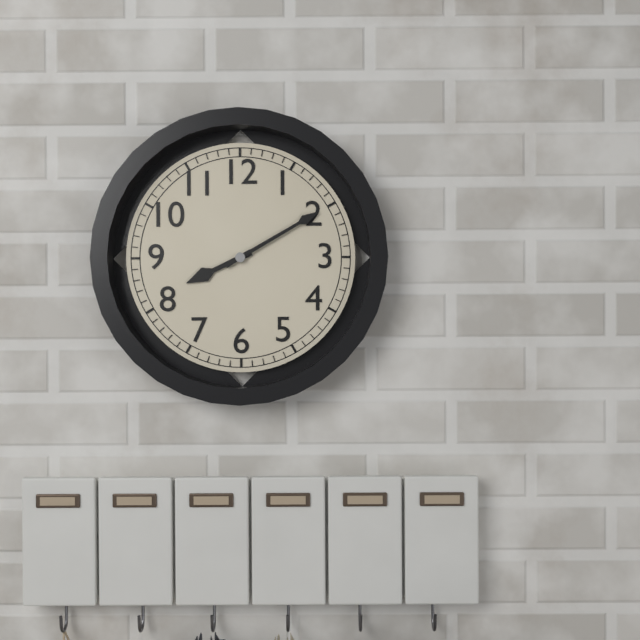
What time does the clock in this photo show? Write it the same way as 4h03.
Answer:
8h10
